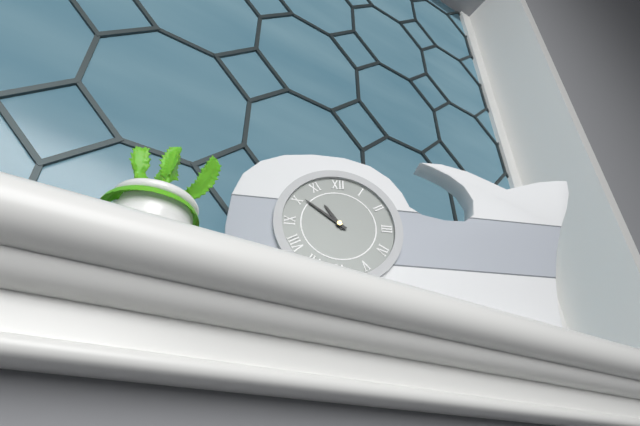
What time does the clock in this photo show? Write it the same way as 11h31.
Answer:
10h51
